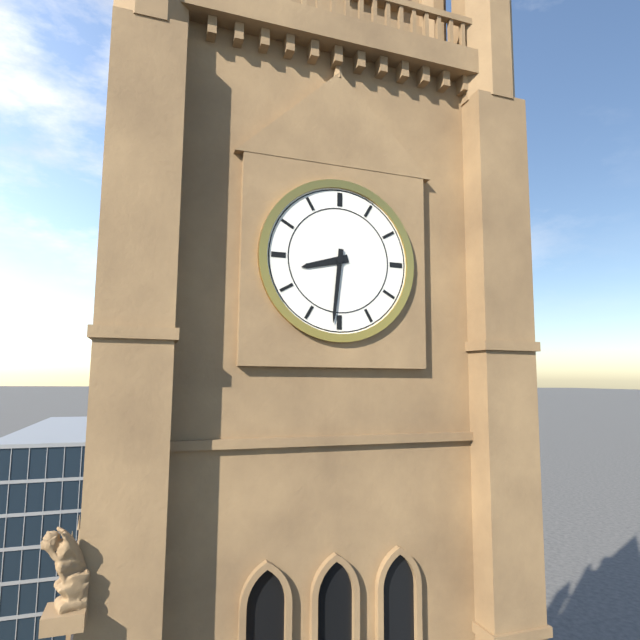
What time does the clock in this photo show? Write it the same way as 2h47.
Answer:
8h31
